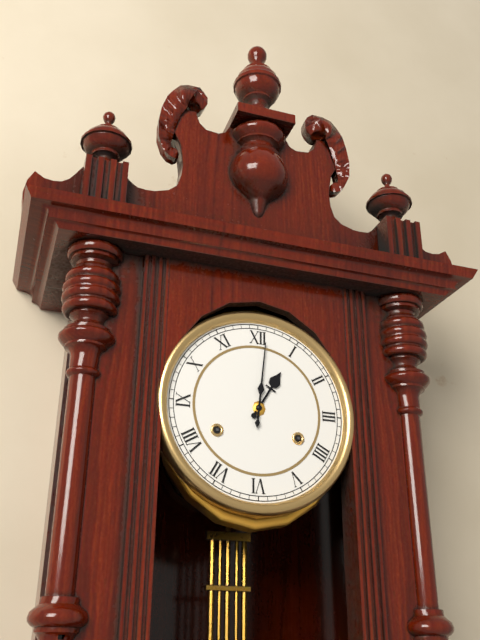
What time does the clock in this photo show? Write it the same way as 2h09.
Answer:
1h01
